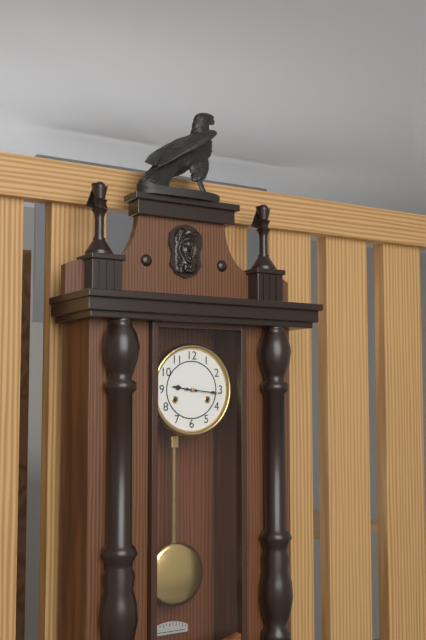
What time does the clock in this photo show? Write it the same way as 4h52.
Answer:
9h16
